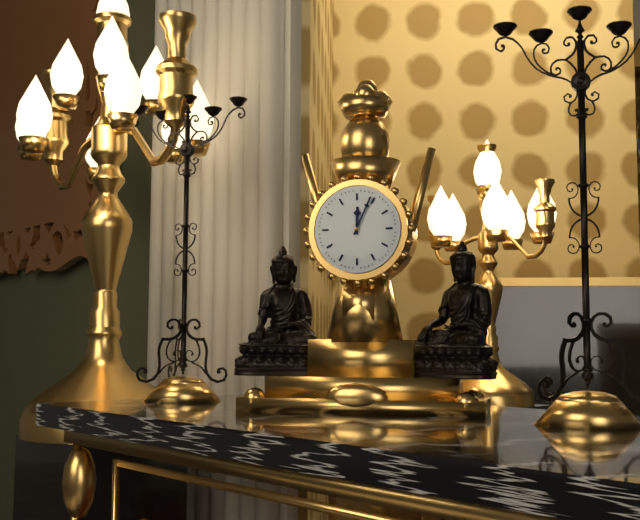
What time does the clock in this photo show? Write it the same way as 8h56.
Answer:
12h04
